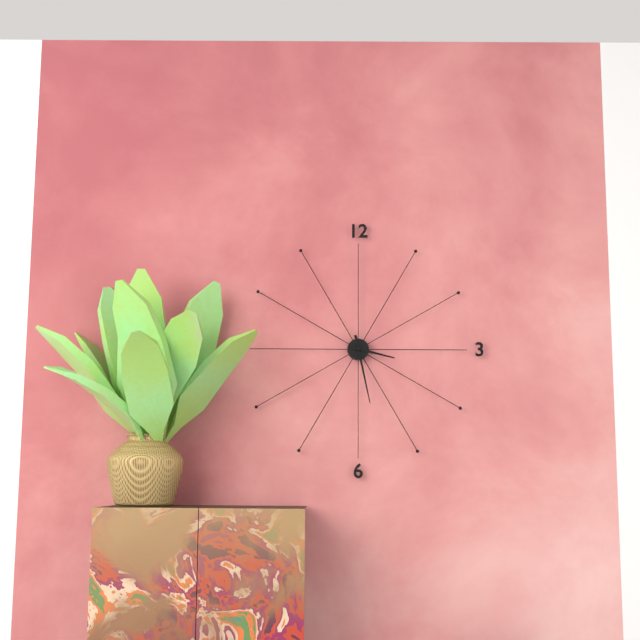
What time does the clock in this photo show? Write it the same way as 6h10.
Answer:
3h28
